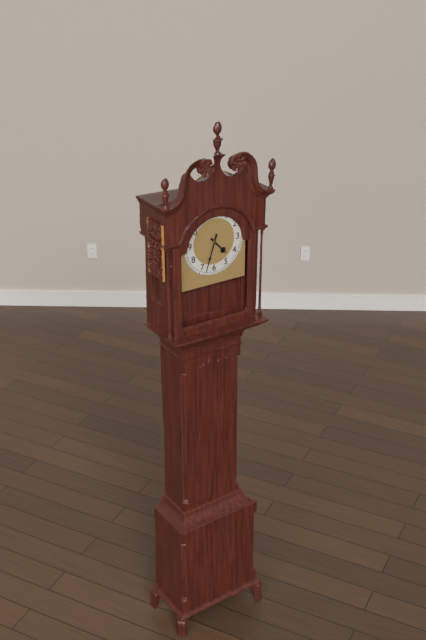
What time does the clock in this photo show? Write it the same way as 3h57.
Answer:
4h33
